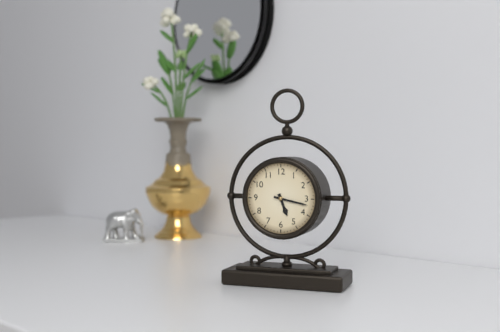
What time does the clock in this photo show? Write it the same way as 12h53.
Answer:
5h17
